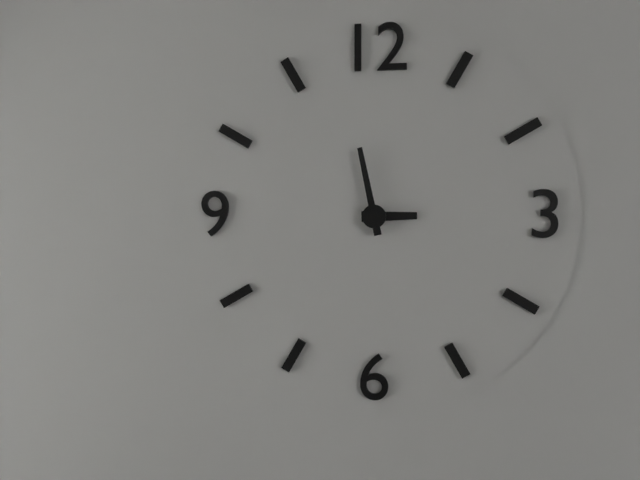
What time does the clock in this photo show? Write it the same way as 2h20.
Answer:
2h58
